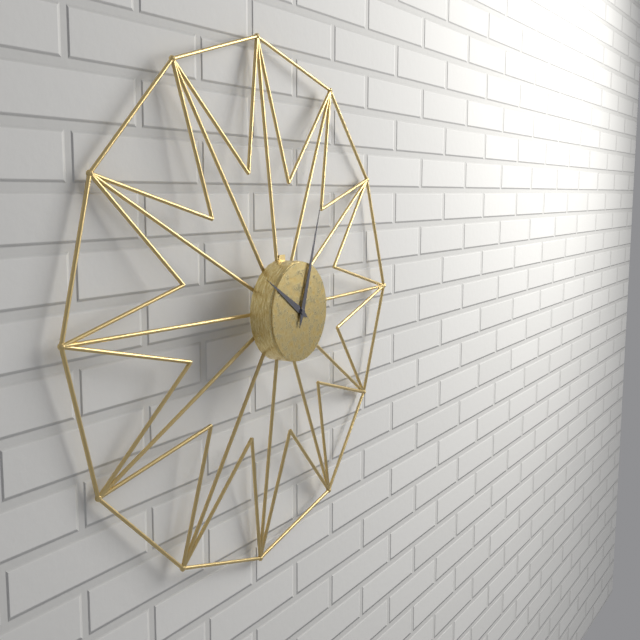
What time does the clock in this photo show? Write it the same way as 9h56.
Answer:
10h03
